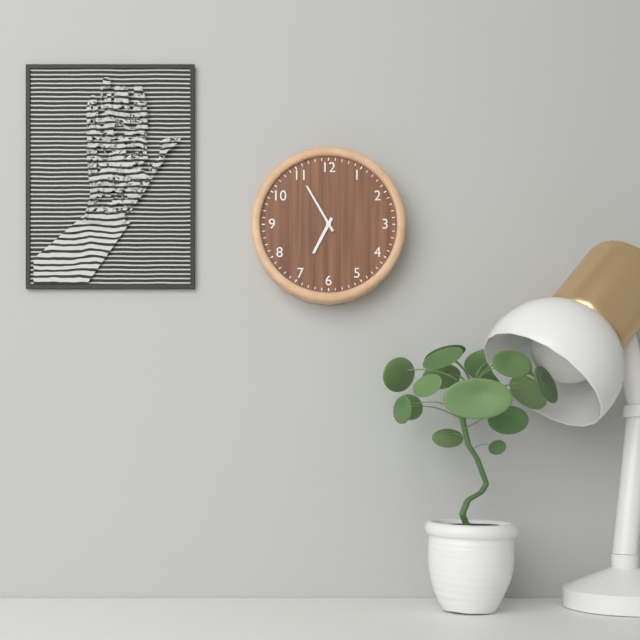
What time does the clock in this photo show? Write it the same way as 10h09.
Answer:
6h55
